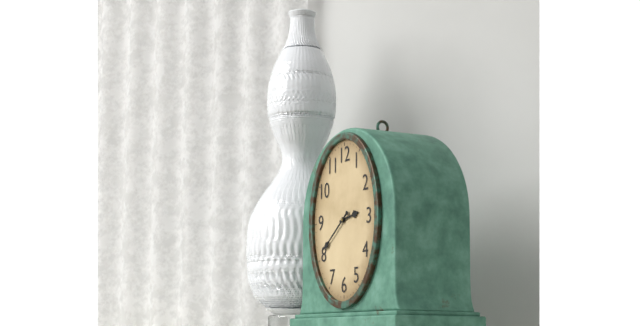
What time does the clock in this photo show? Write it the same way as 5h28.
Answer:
2h39
